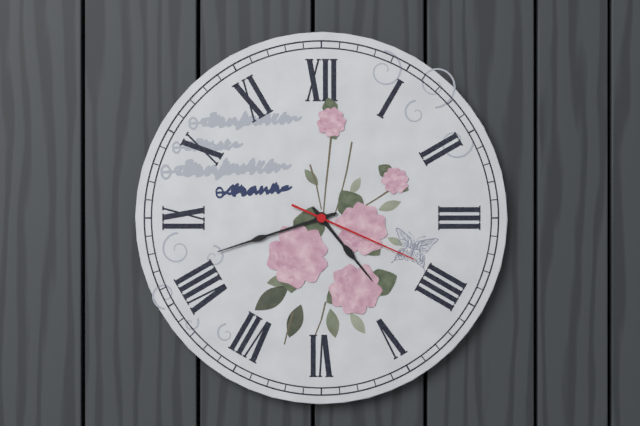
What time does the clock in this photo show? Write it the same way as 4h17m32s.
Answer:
4h42m19s
